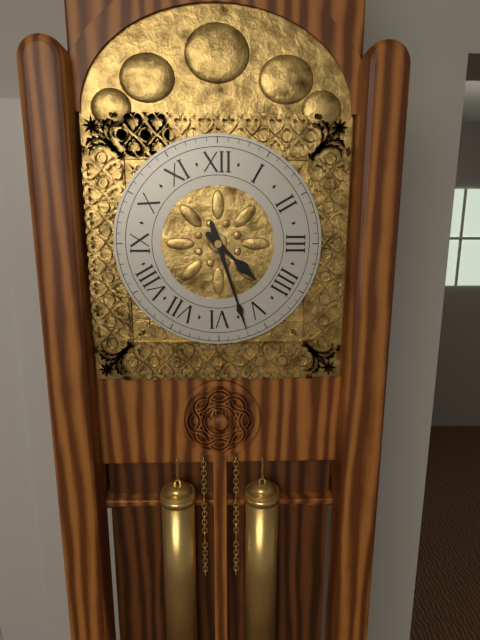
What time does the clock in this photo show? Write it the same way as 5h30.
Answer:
4h27
